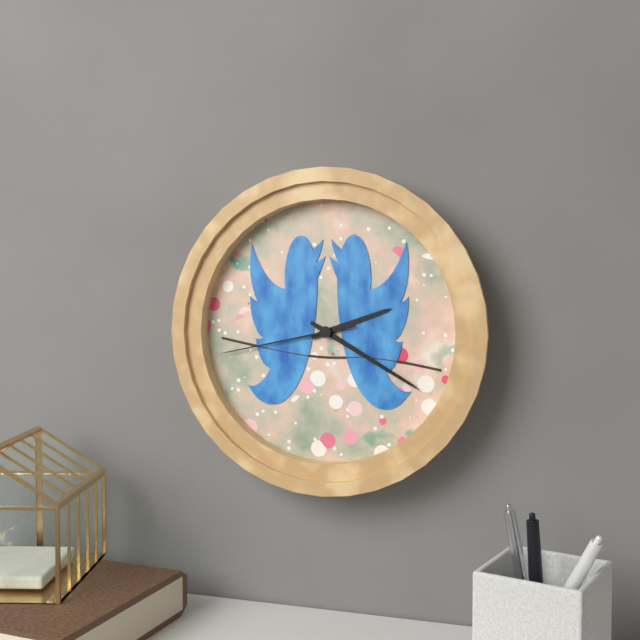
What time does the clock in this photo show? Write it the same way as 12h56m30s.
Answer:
2h20m43s
